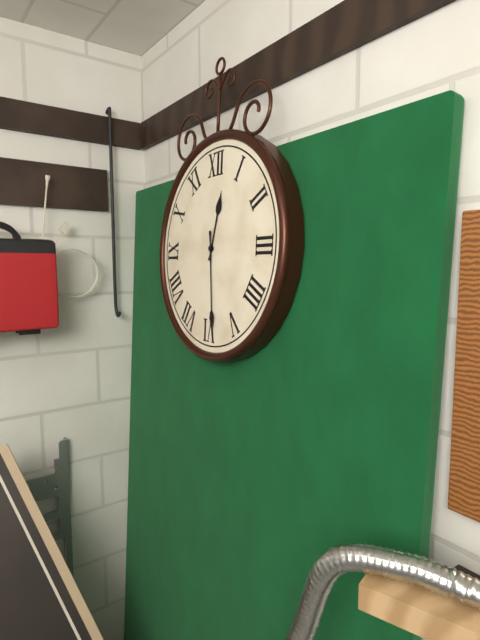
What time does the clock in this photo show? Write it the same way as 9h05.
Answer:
12h29
